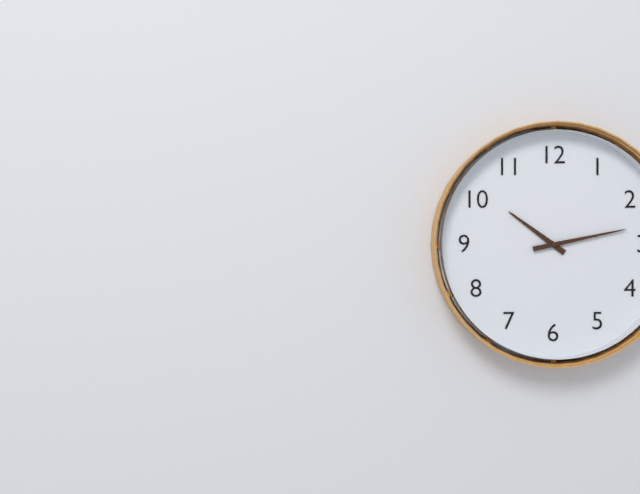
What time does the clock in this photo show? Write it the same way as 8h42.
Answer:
10h13
